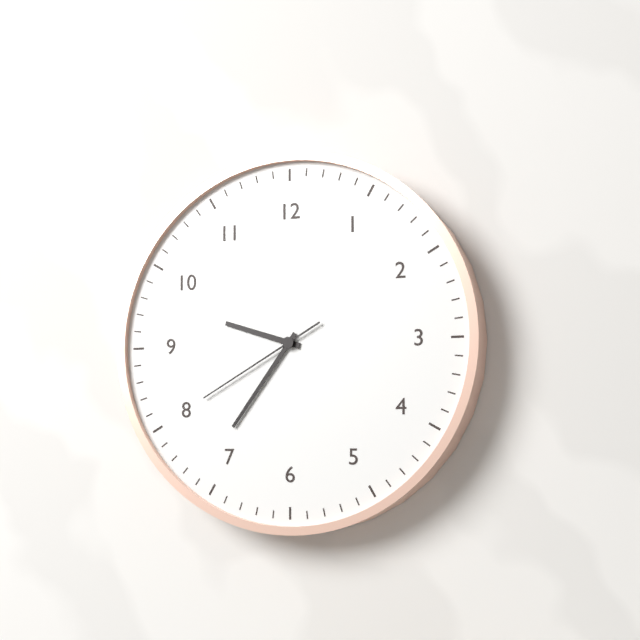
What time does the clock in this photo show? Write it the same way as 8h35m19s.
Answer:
9h36m40s
